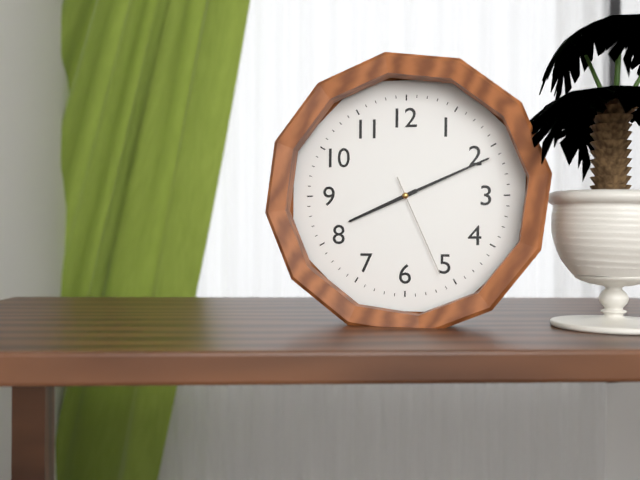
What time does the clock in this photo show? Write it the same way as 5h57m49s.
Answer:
8h11m26s
